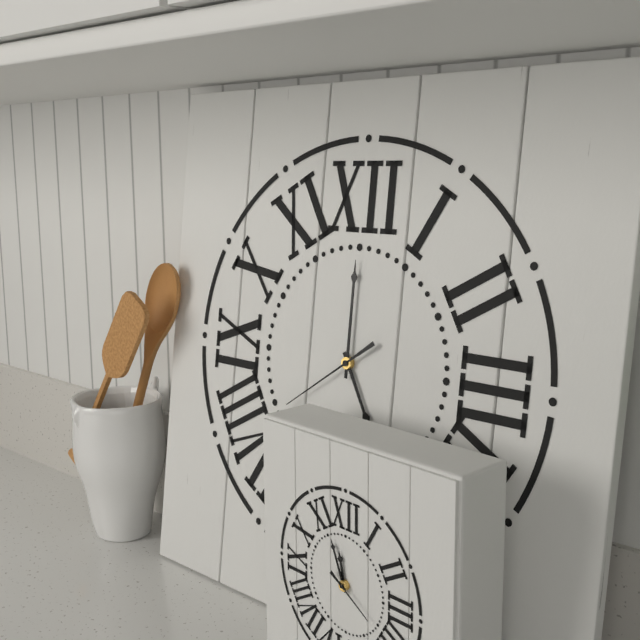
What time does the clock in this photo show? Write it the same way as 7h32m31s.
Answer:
5h00m39s
